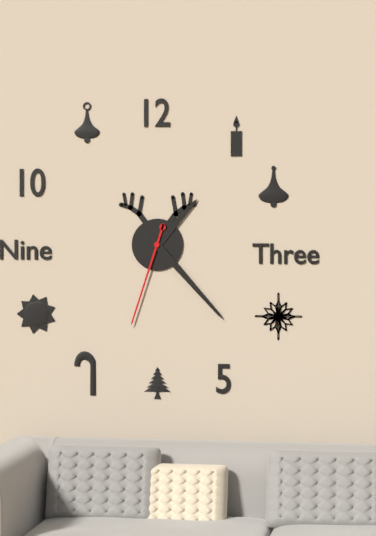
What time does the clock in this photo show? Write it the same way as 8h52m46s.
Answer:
1h23m33s
